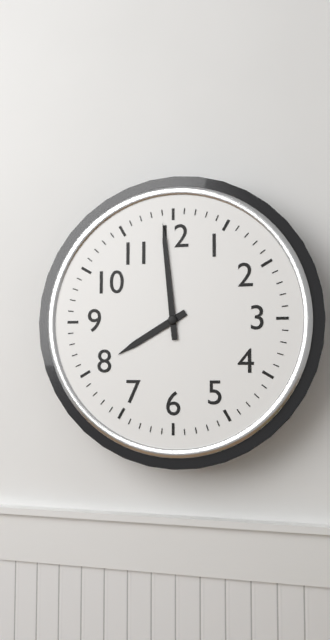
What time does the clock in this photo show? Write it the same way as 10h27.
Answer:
7h59
